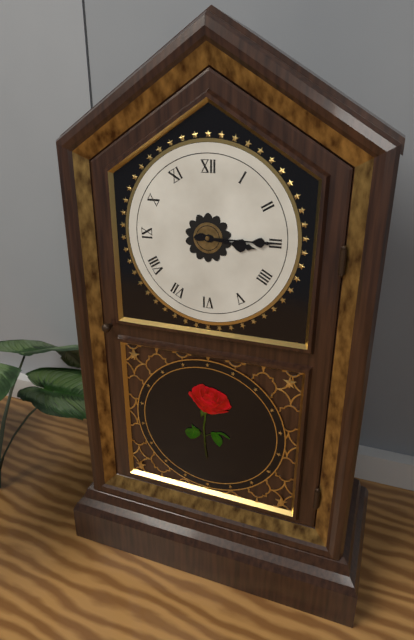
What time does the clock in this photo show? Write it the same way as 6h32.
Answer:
3h15
